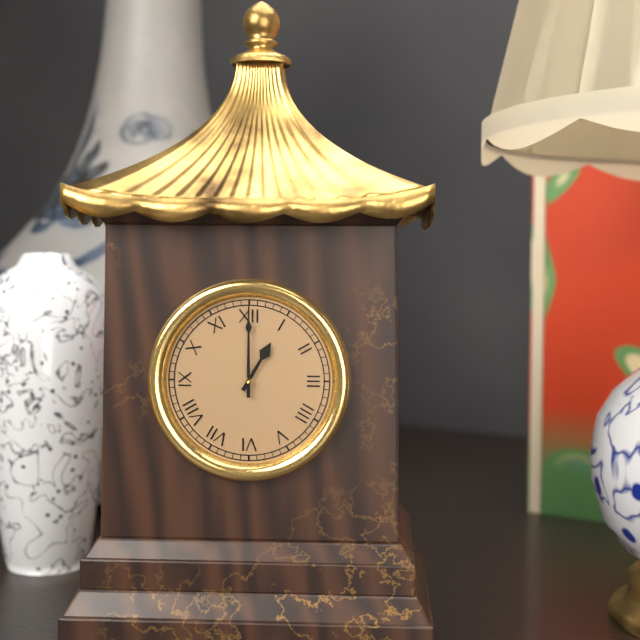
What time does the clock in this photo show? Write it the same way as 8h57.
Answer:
1h00
